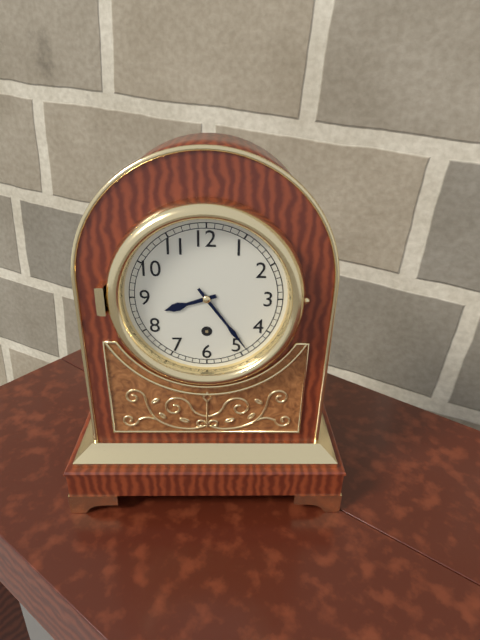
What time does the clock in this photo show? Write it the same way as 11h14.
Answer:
8h24
